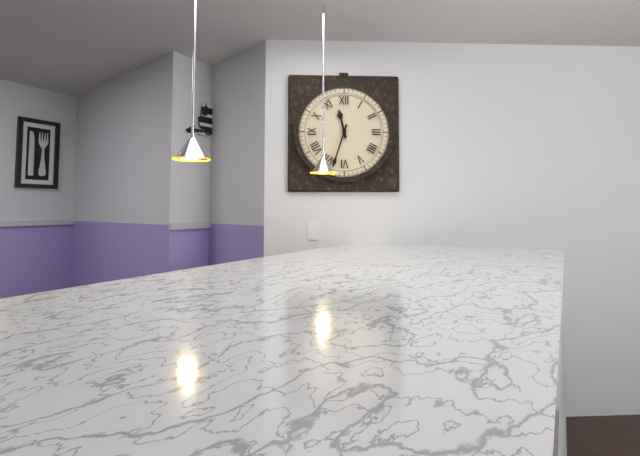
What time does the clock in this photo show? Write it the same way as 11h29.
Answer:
11h33
